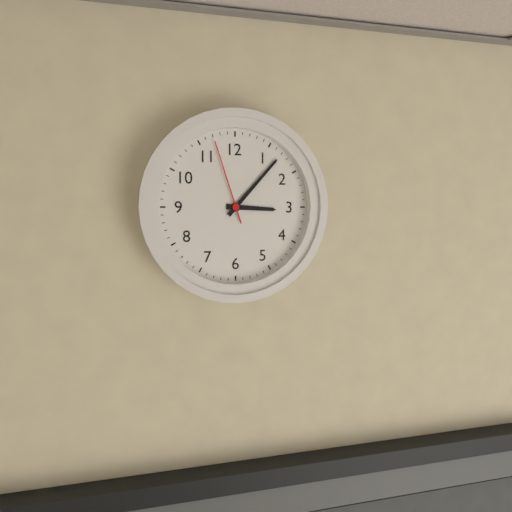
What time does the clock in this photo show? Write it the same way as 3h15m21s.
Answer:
3h07m57s
